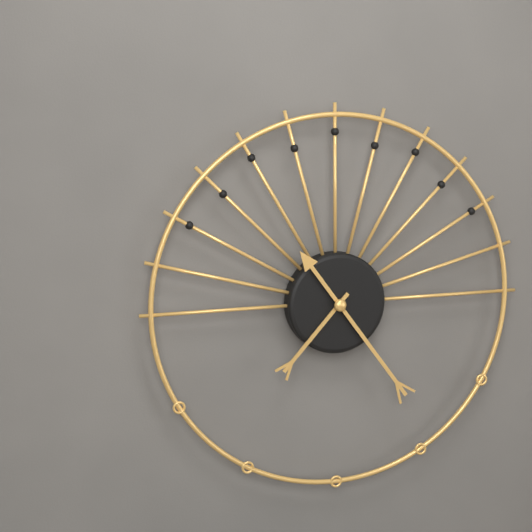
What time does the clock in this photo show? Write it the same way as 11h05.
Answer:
7h24
